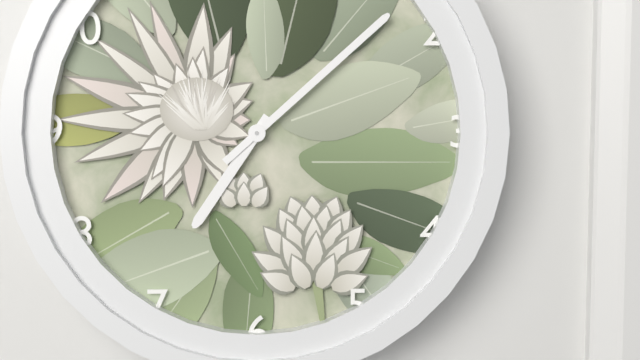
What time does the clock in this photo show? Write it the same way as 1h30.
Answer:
7h08
